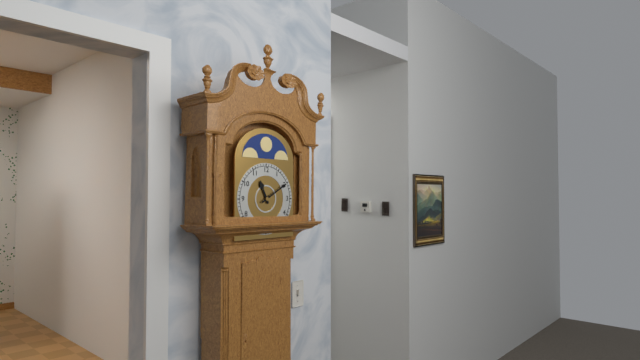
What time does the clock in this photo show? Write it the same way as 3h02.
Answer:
11h10
